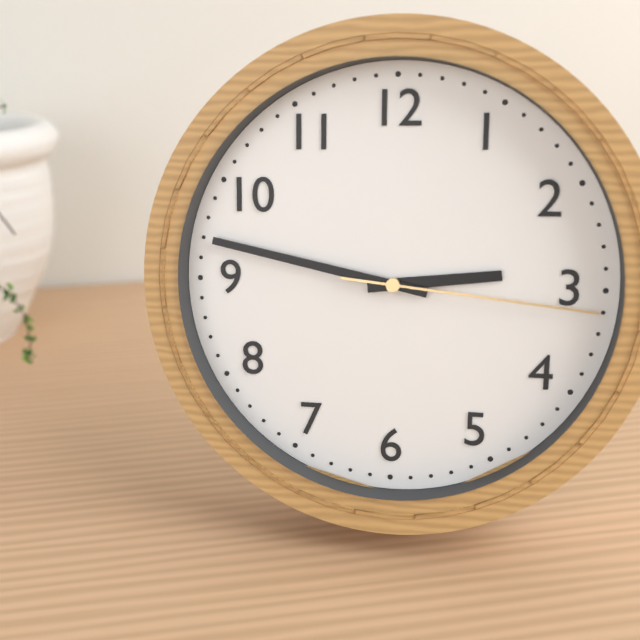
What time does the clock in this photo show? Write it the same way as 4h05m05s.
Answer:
2h47m16s
